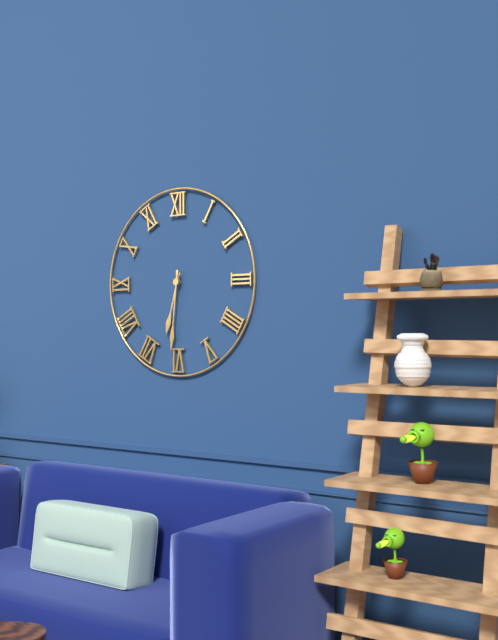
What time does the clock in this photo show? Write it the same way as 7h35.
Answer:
6h31
